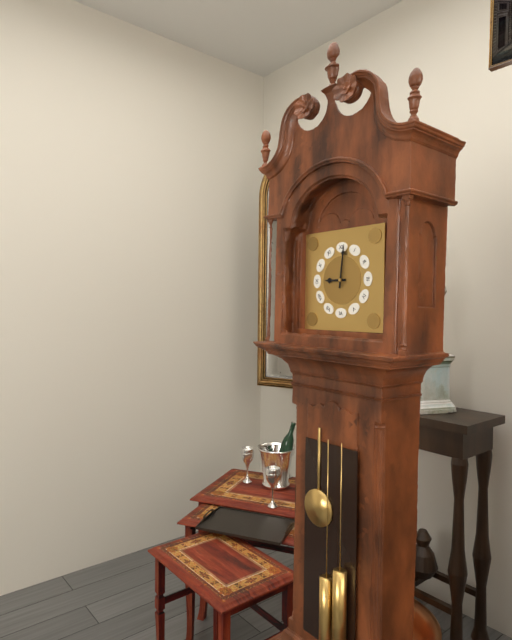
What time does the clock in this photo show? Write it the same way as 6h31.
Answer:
9h01
